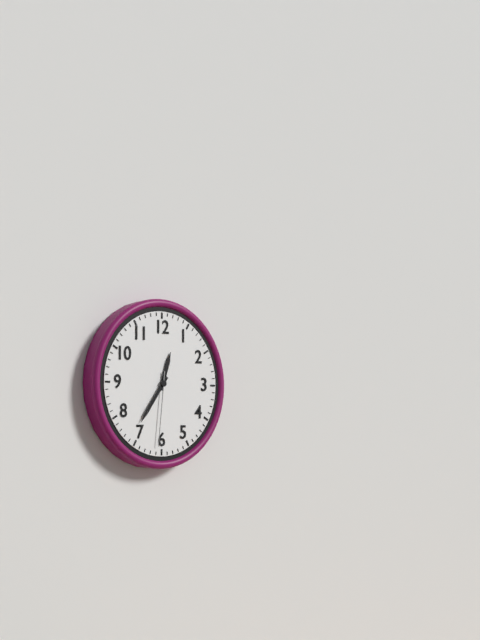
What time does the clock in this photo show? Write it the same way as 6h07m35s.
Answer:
12h36m31s
